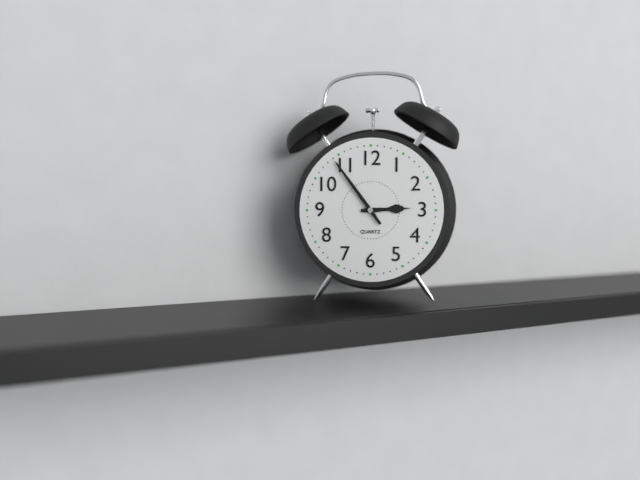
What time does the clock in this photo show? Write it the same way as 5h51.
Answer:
2h54
